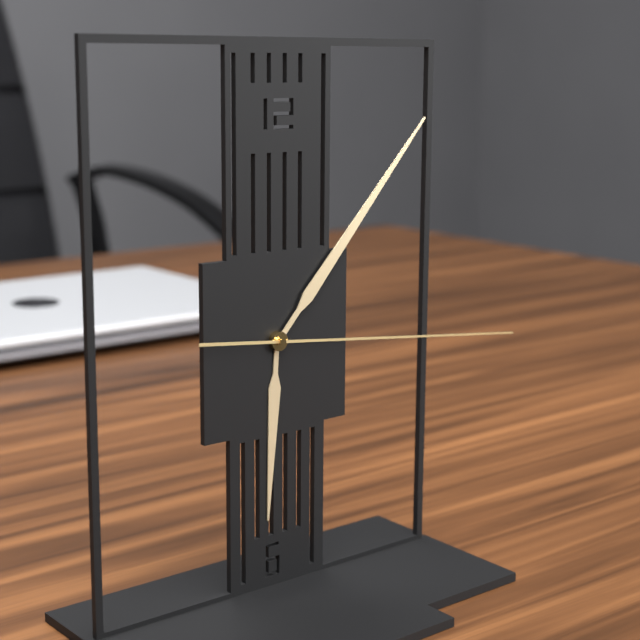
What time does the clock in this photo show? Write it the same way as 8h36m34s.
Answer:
6h07m16s
